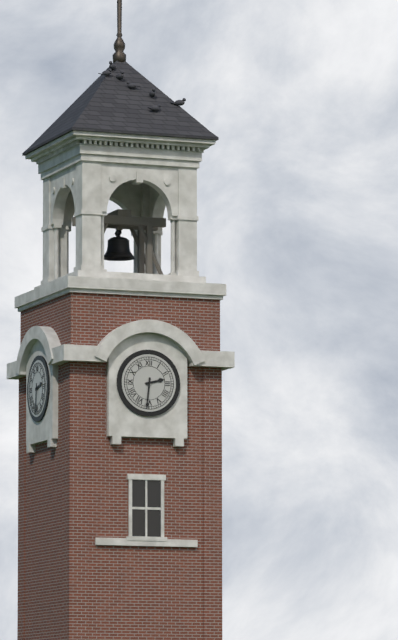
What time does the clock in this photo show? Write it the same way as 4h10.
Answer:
2h31
